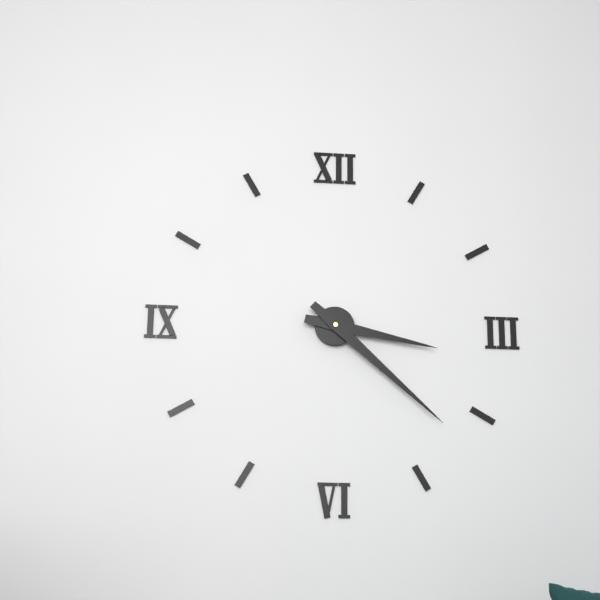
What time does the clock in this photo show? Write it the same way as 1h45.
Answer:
3h22
